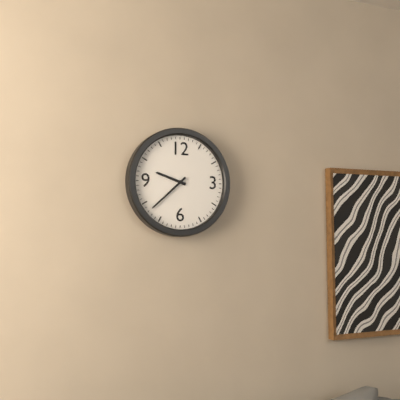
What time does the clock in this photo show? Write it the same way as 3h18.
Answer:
9h38
